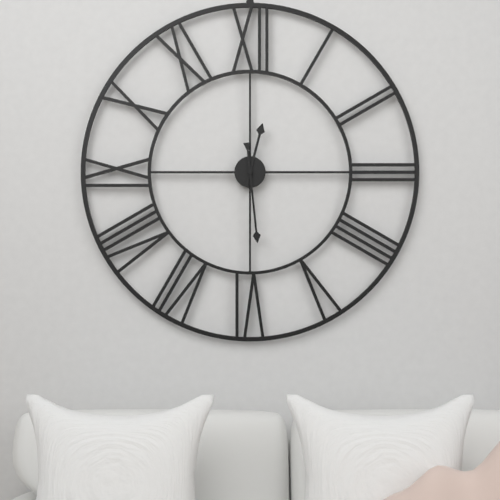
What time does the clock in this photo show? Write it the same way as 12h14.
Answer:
12h29
